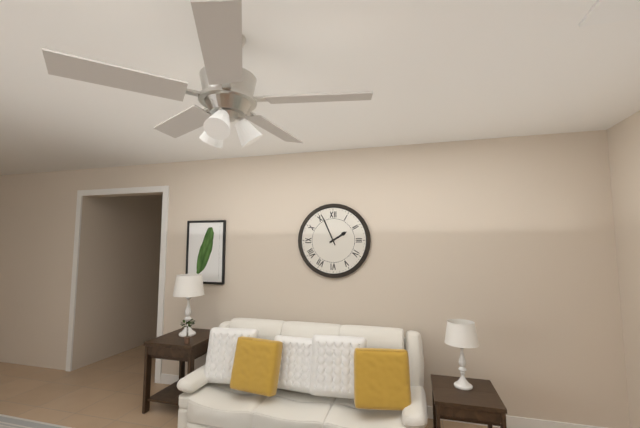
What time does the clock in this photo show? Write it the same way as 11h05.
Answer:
1h56
